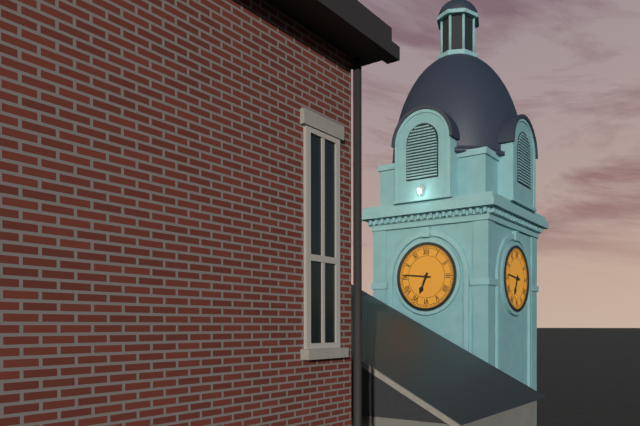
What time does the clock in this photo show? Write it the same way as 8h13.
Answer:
6h46
